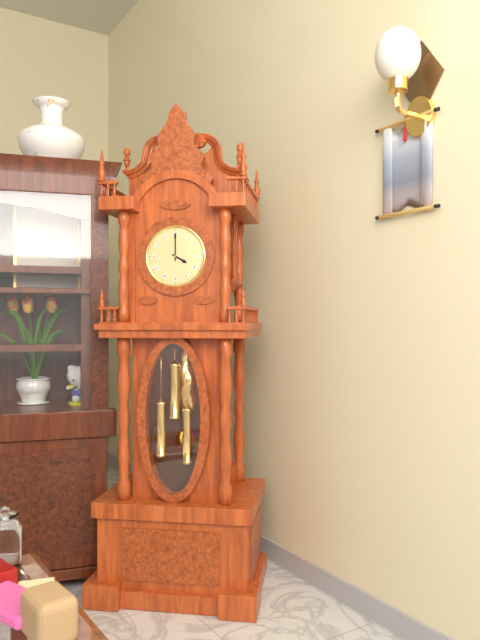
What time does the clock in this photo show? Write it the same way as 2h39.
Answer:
4h00
